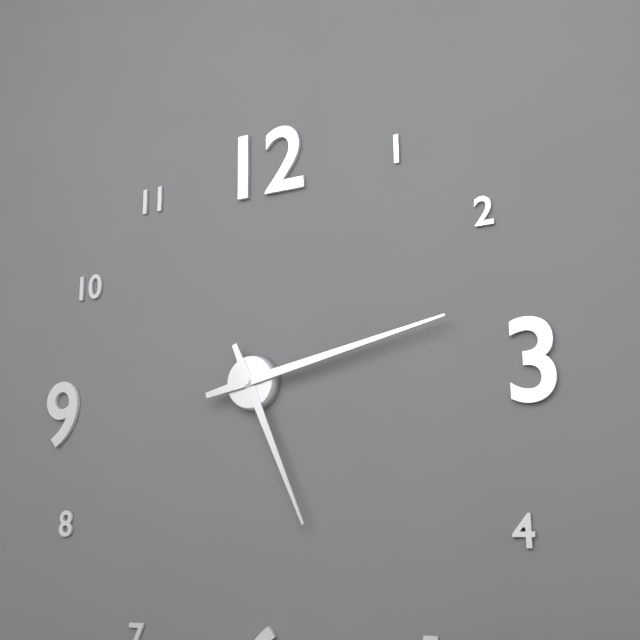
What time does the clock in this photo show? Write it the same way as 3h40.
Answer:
5h13
